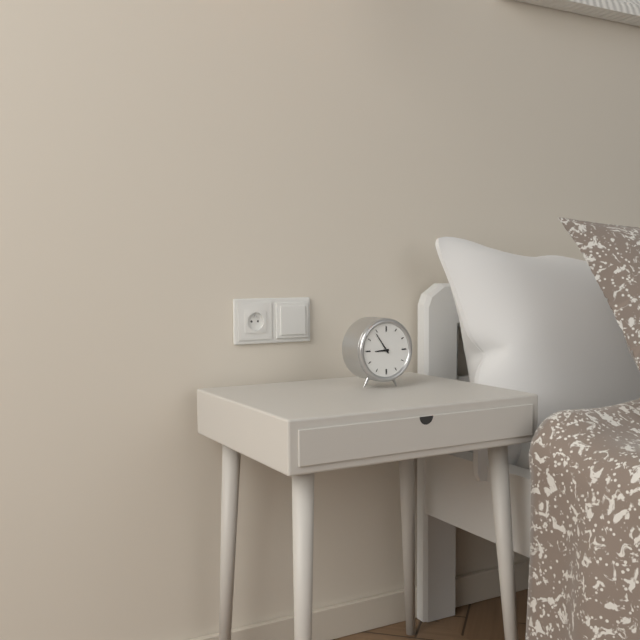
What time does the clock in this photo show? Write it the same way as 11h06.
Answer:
8h54
